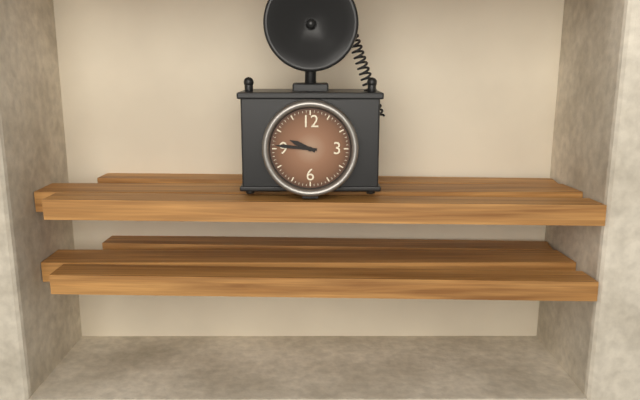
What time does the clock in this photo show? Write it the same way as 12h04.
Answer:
9h46
